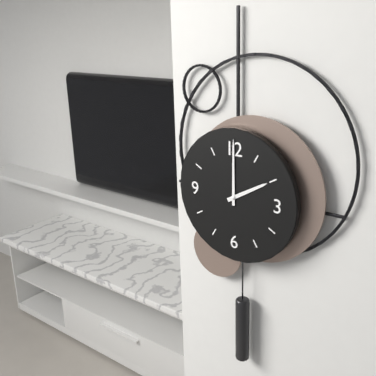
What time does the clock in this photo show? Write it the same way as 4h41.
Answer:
2h00
